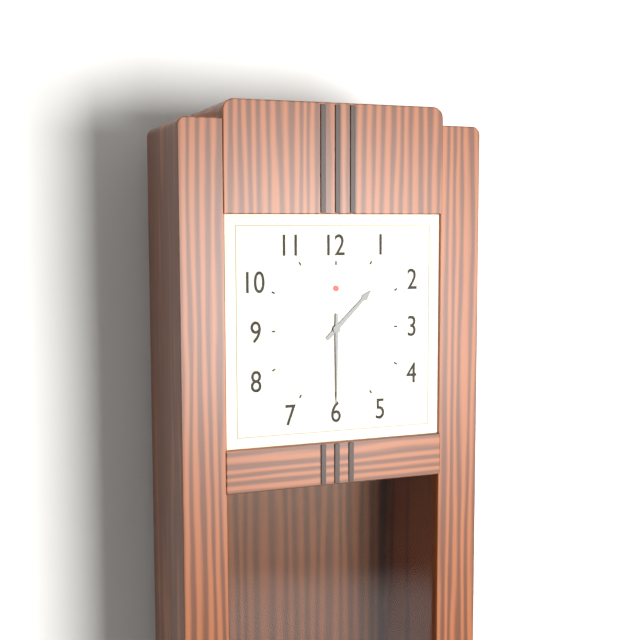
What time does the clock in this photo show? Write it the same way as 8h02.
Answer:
1h30
